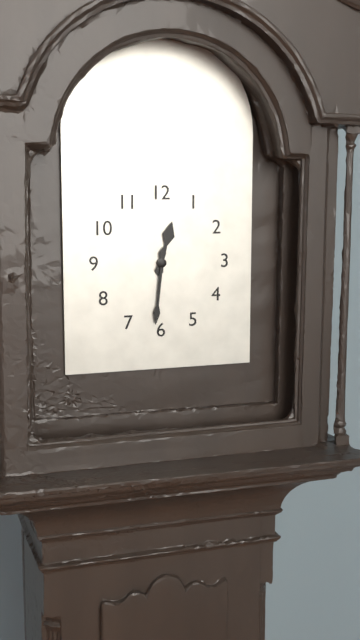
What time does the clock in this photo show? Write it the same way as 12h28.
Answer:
12h31
